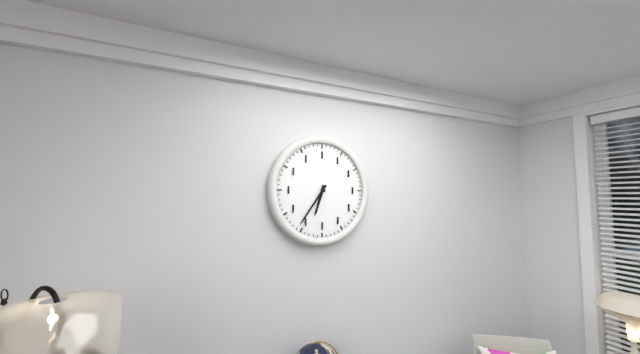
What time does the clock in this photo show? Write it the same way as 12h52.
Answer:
6h36
